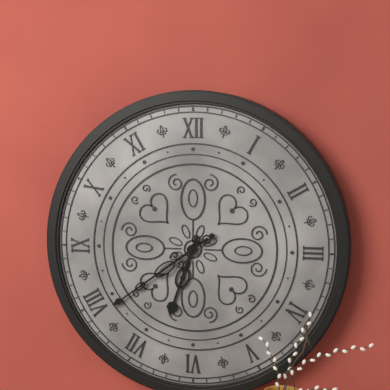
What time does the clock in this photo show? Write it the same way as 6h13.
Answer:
6h39
